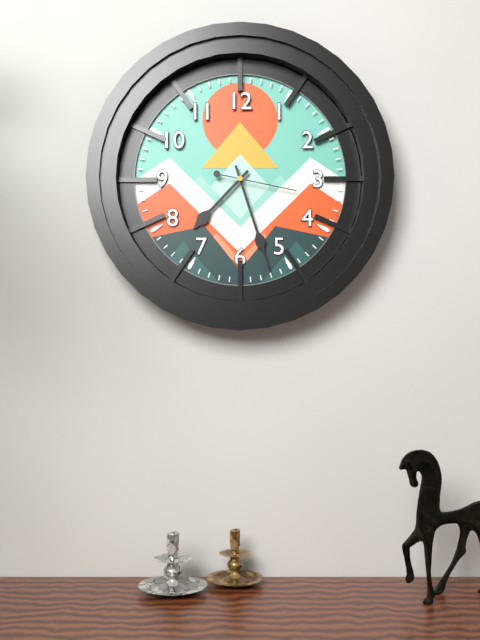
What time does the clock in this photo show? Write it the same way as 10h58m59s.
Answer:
7h27m17s
